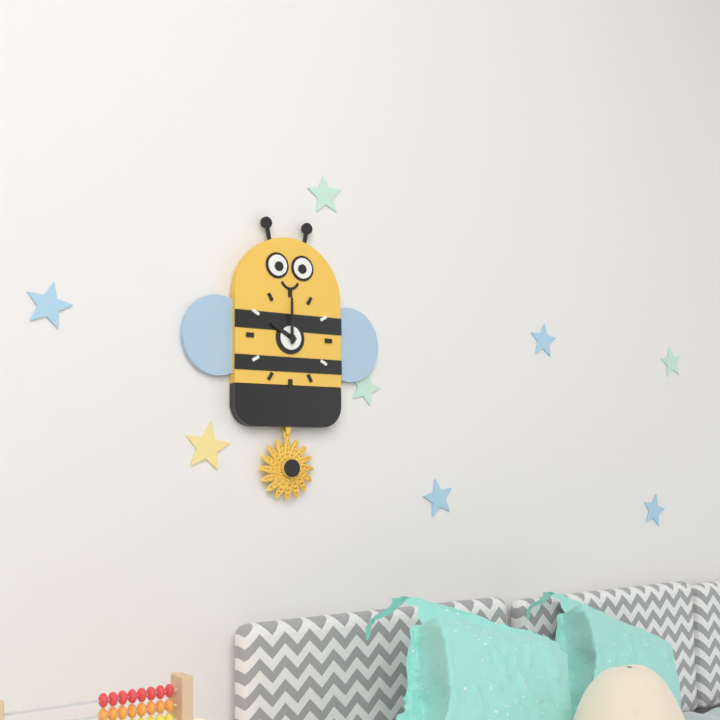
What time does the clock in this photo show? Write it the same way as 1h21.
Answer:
10h00
